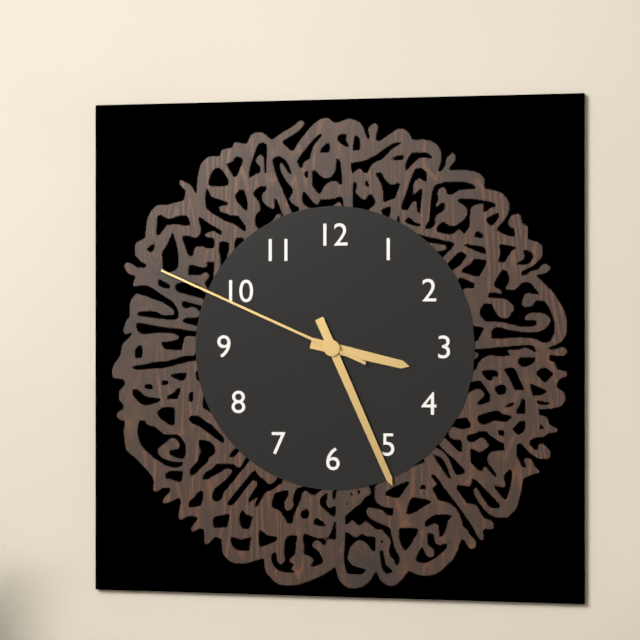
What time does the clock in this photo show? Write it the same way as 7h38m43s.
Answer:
3h26m49s
